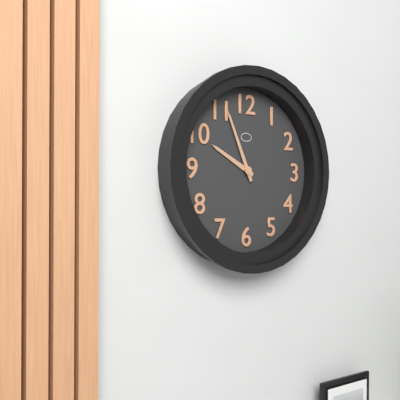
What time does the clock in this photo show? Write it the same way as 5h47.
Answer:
9h56
